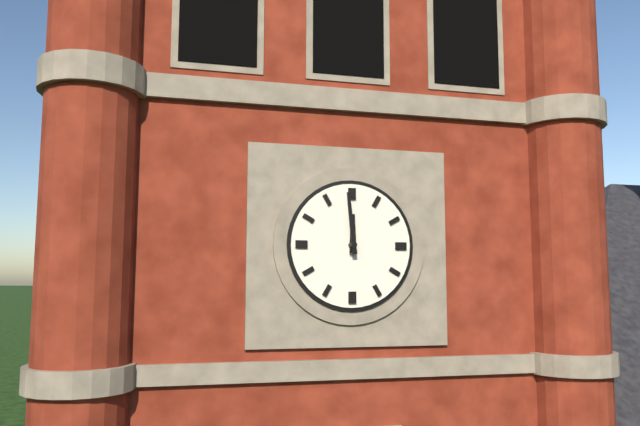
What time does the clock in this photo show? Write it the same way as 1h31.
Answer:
11h59
